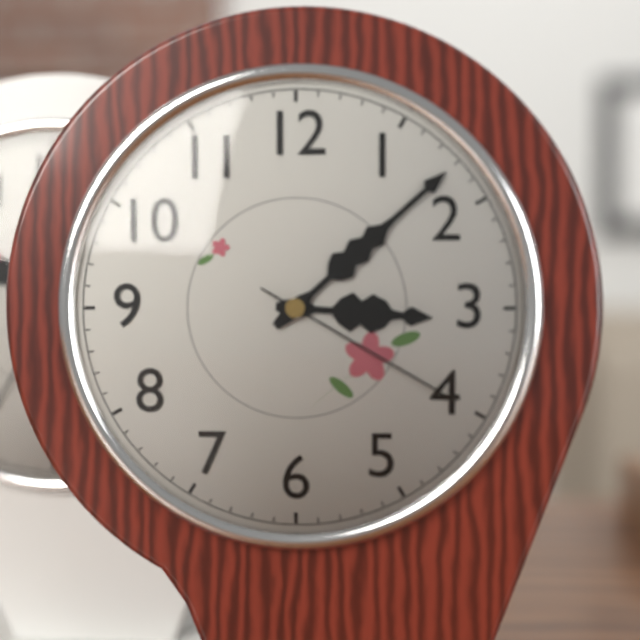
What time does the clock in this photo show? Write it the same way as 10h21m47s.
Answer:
3h08m20s
